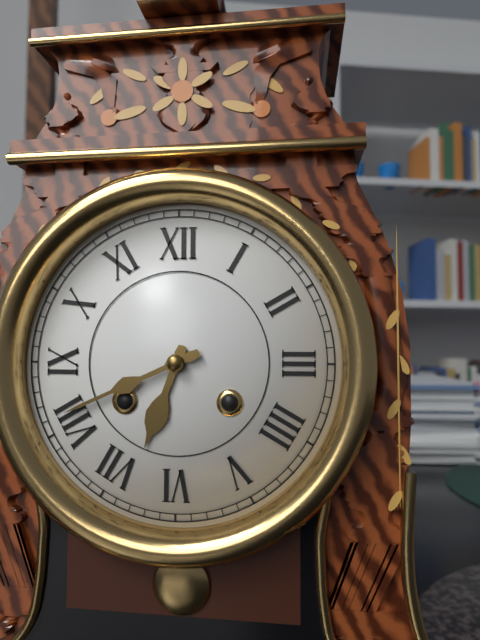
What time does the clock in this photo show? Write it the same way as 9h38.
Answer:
6h41
